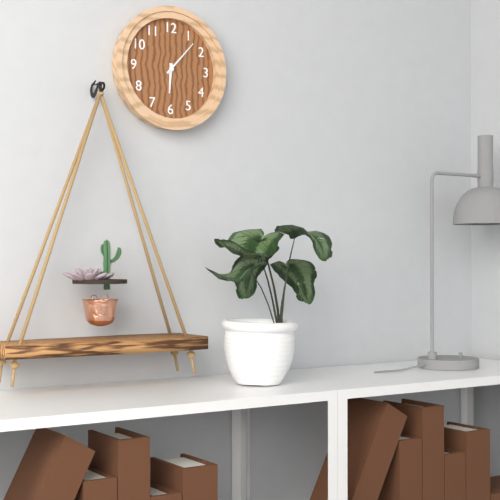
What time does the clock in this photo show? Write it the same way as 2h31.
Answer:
6h07
